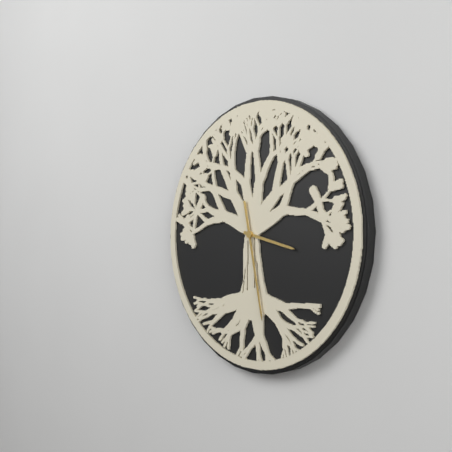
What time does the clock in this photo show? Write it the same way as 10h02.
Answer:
3h28
